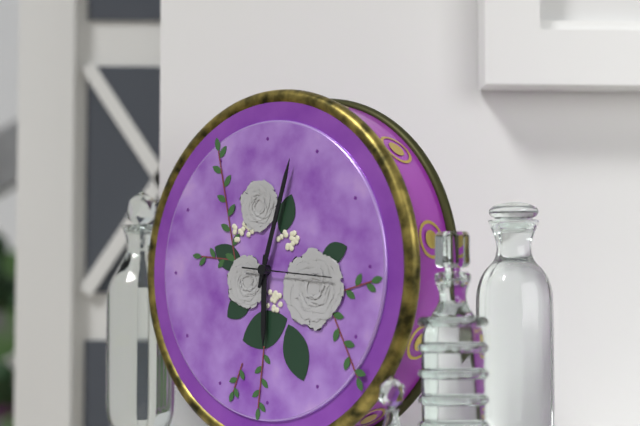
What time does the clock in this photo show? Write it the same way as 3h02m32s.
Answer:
6h03m16s
